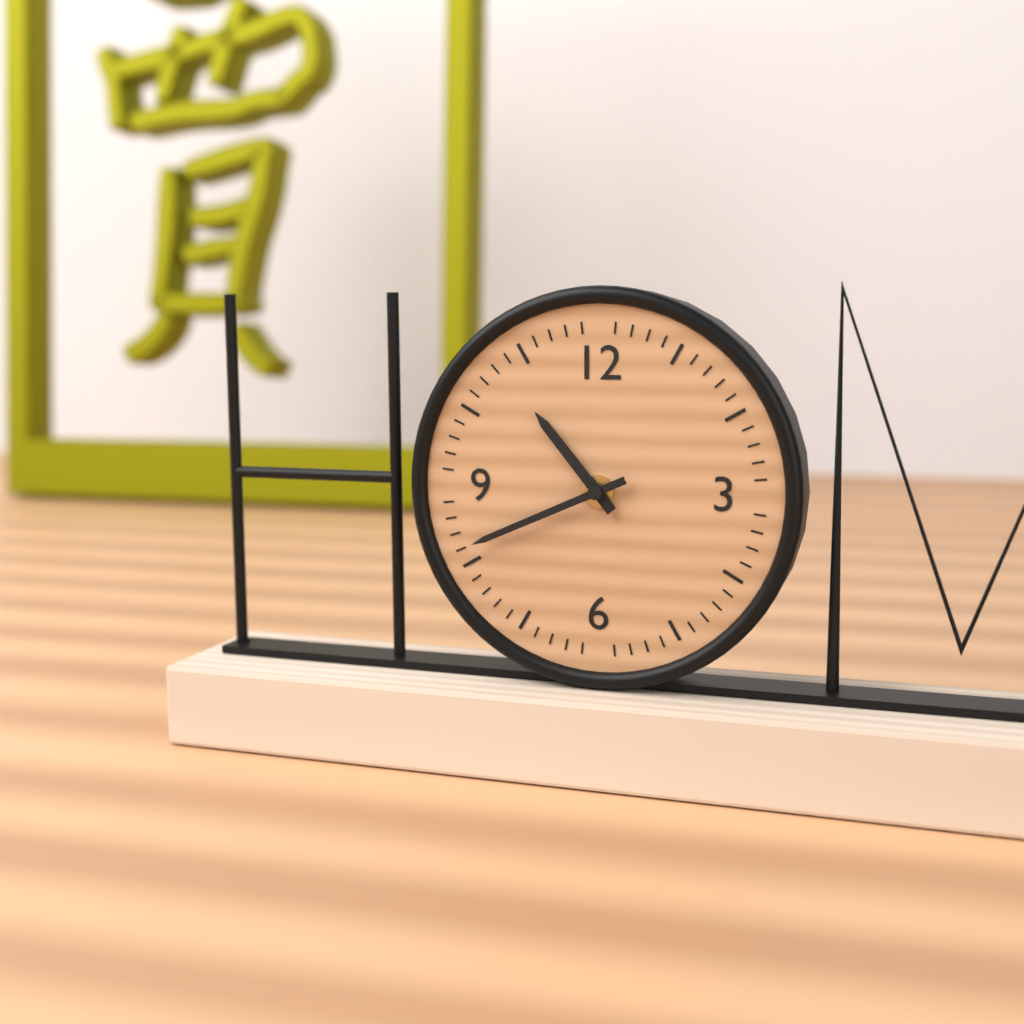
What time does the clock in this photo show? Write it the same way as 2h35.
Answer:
10h41
